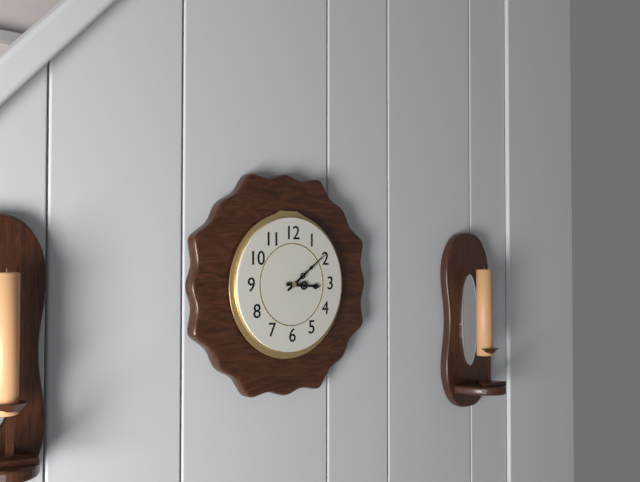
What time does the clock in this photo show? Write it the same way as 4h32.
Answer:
3h09
